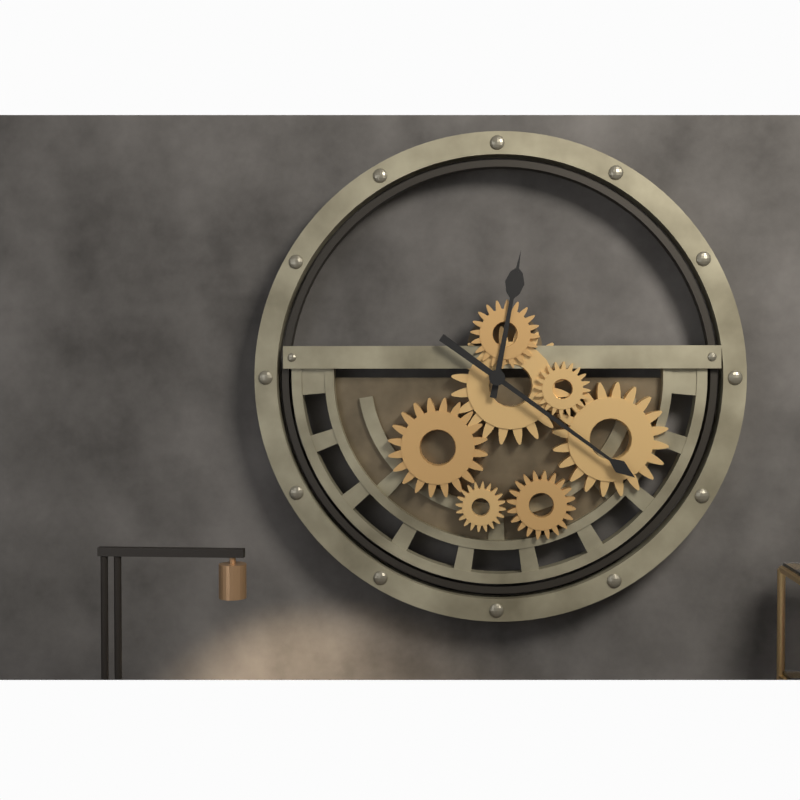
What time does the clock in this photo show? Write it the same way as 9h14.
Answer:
12h21
